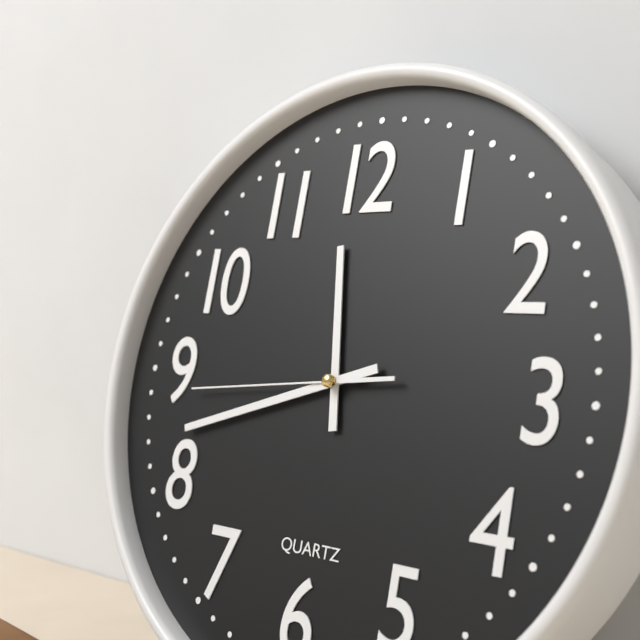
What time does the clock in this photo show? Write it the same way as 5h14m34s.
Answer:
11h42m44s
